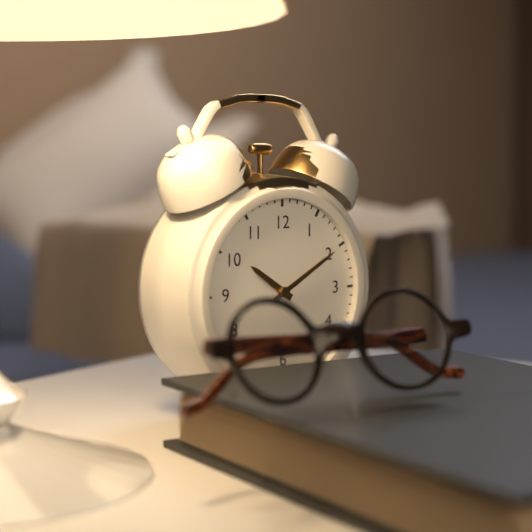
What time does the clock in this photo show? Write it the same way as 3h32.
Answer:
10h10
